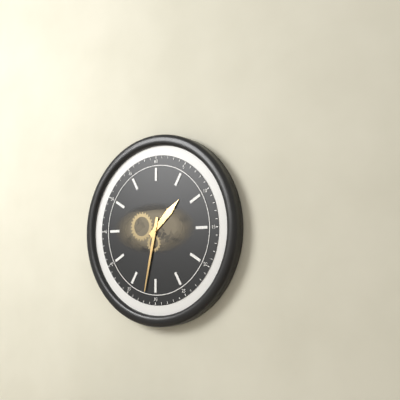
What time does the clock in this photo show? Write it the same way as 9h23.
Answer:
1h32
